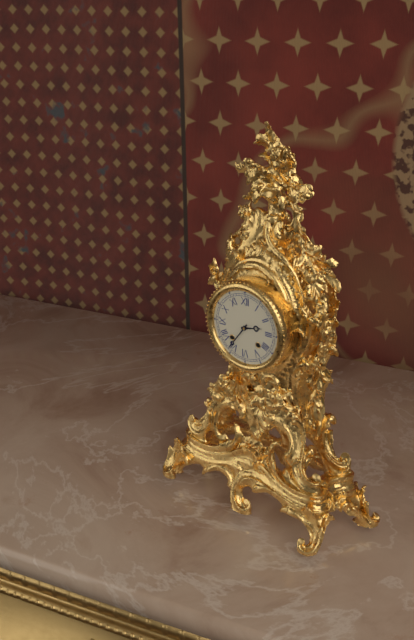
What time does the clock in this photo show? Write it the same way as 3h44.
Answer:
2h36
